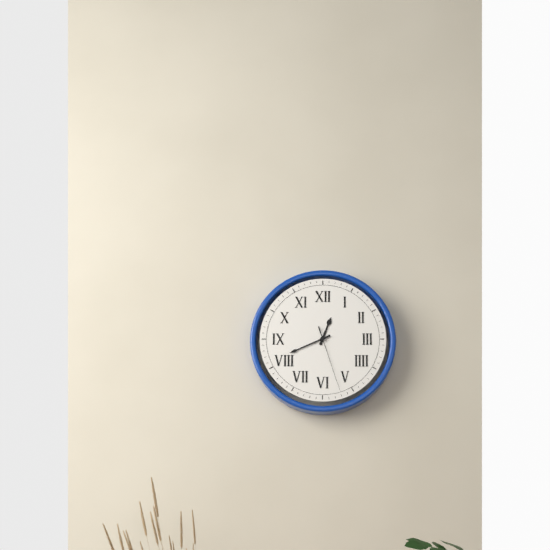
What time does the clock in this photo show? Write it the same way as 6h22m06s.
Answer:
12h41m27s
